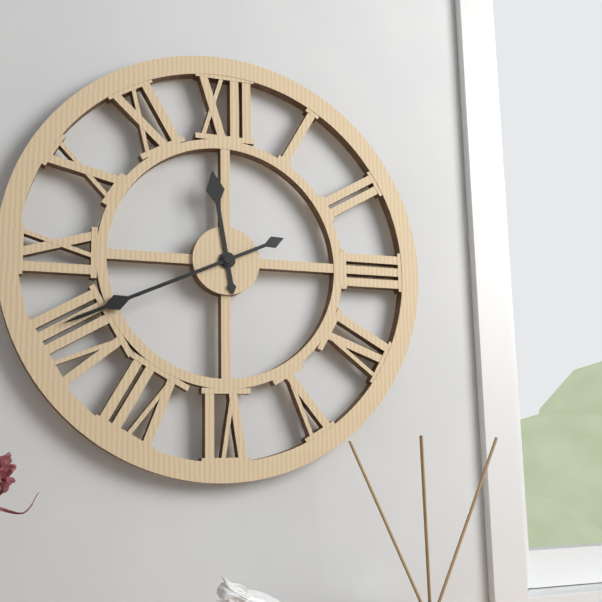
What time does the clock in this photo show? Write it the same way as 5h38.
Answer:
11h41
